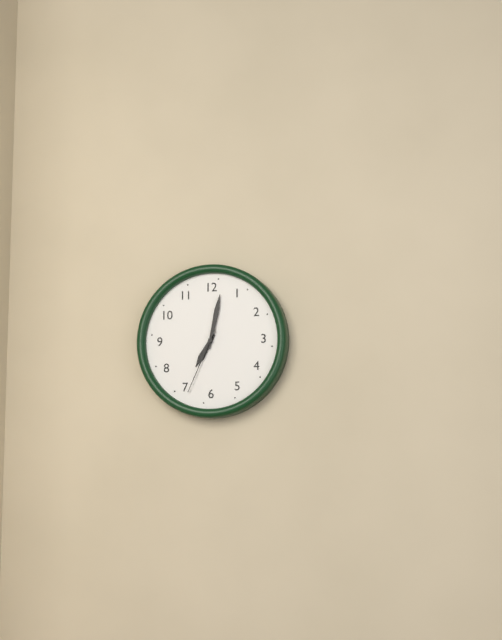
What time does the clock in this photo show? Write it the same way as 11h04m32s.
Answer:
7h02m34s
